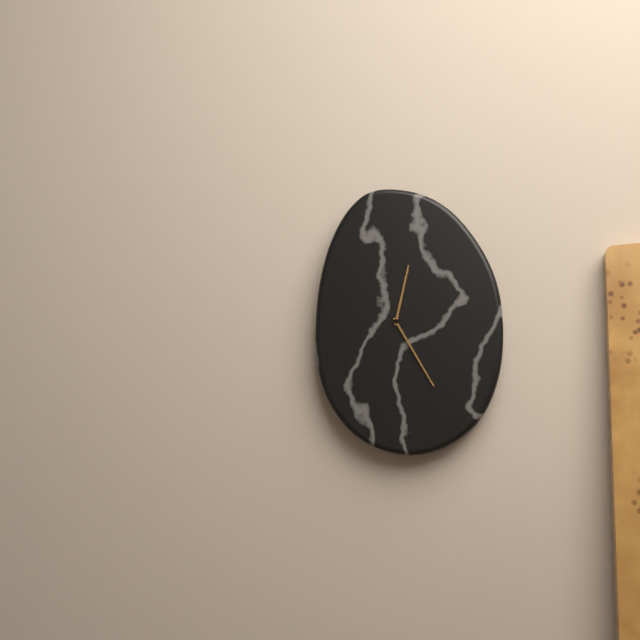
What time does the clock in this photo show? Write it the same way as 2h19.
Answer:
12h25
